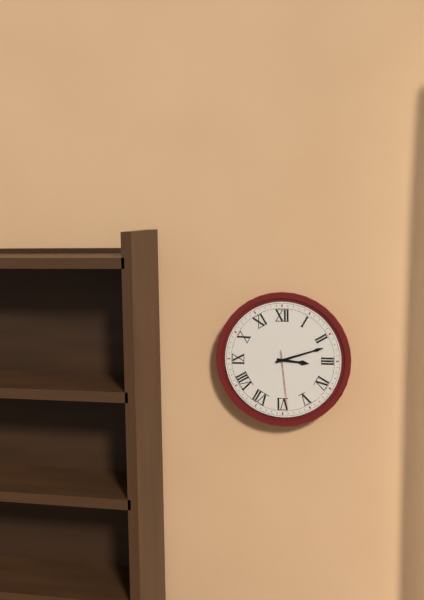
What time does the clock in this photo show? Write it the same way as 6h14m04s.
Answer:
3h12m29s
